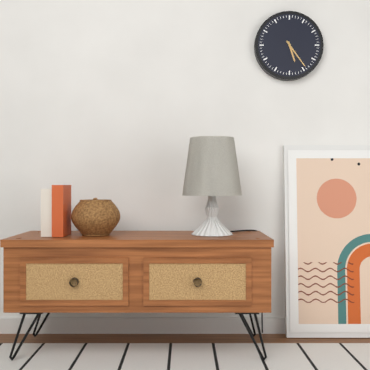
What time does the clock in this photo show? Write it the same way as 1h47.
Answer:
5h24
